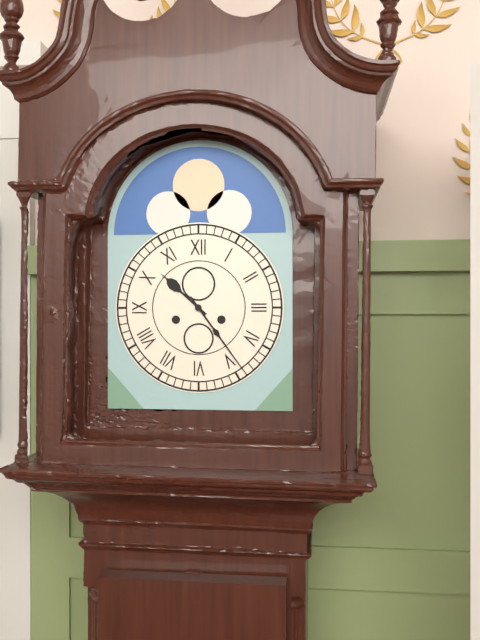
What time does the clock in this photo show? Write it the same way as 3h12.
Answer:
10h24
